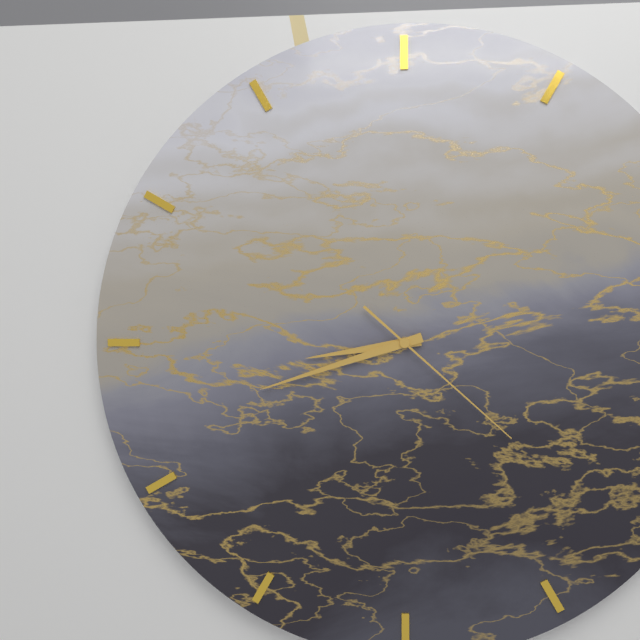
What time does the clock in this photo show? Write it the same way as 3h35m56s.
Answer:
8h42m22s
